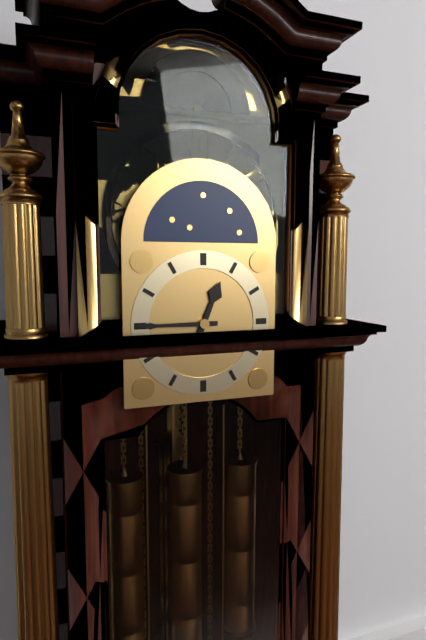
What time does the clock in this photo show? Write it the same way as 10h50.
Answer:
12h45
